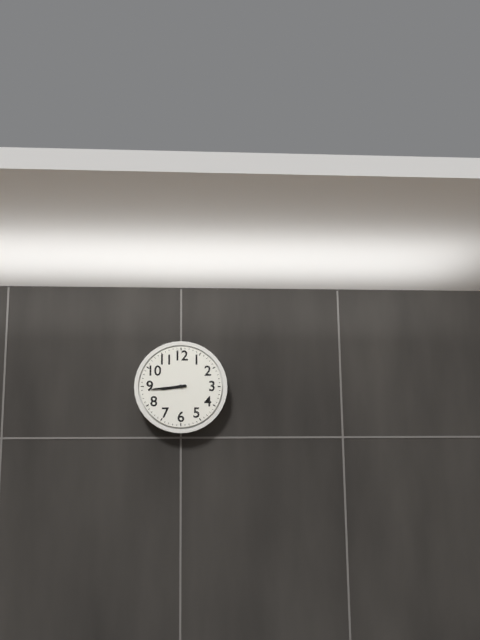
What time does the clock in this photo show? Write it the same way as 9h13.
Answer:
8h44
